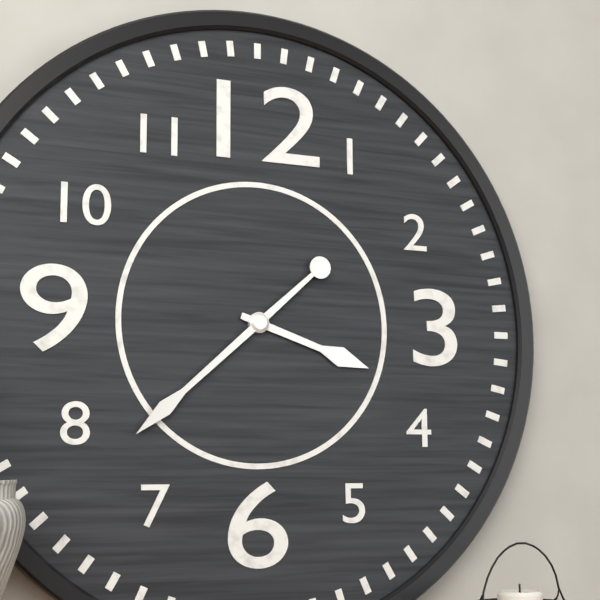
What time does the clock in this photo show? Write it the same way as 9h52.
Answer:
3h38
